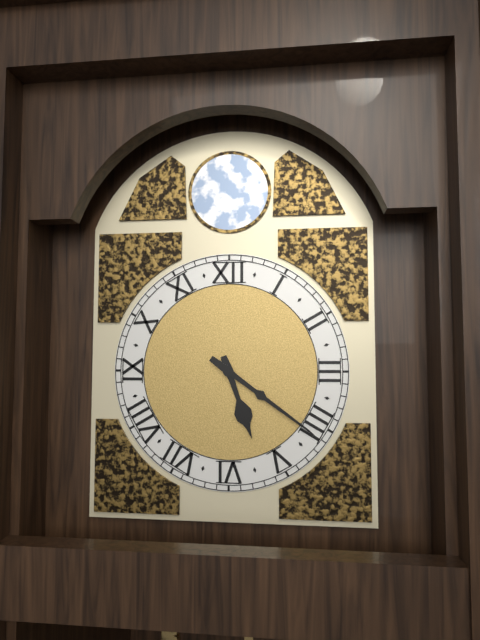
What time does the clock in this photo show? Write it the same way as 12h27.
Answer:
5h21
